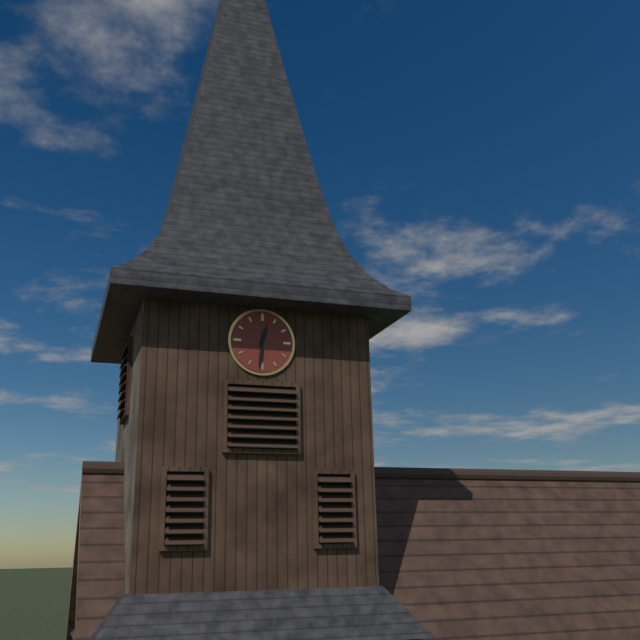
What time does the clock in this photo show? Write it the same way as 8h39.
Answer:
12h31
